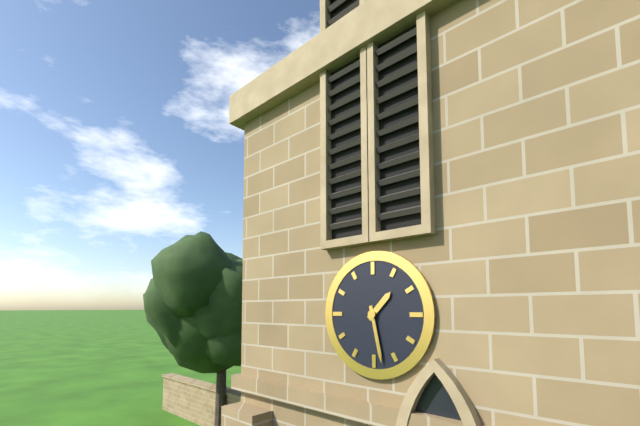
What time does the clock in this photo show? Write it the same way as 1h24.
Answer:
1h28
